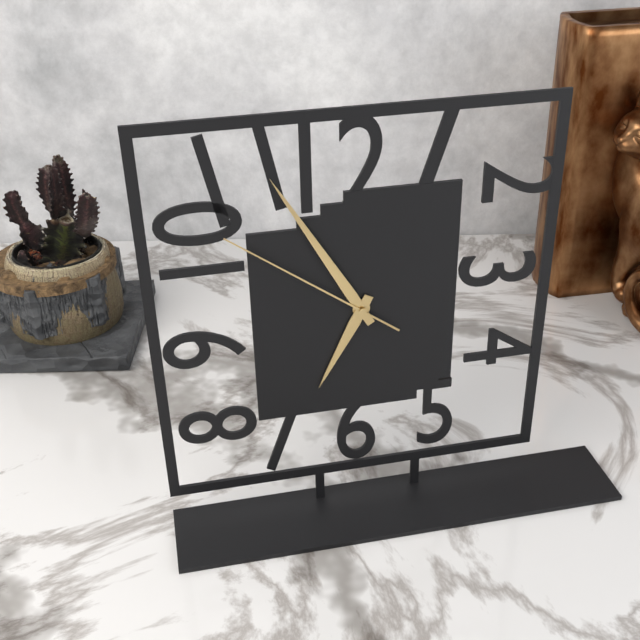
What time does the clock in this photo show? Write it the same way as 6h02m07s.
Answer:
6h55m51s
